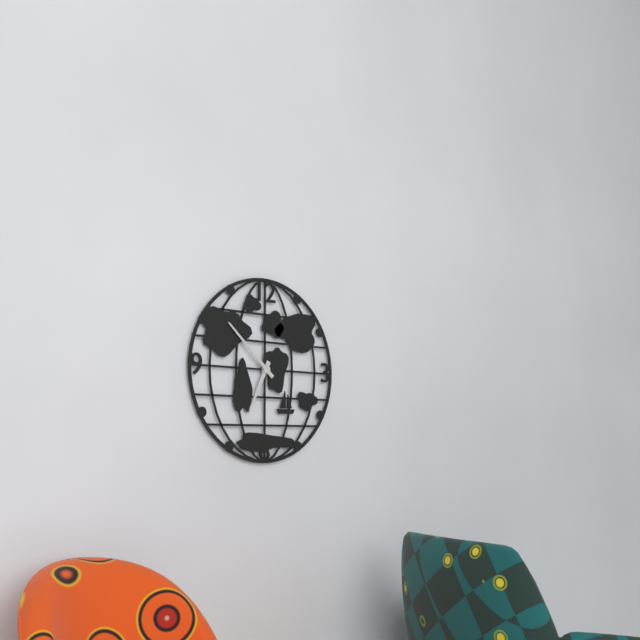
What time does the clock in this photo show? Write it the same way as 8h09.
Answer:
6h52
